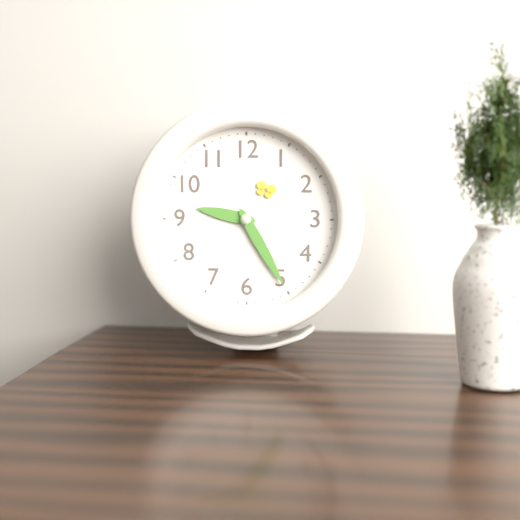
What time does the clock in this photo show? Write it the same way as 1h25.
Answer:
9h25
